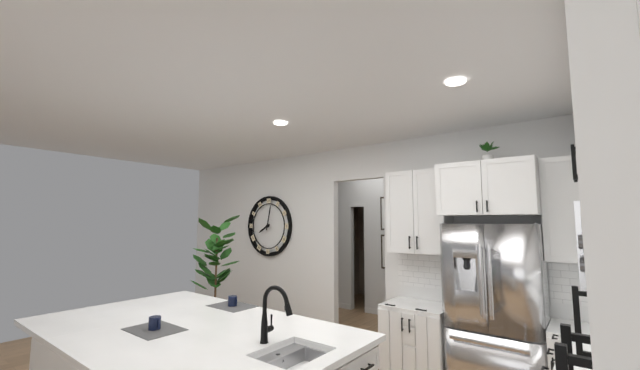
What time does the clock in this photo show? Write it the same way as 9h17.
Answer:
8h02
